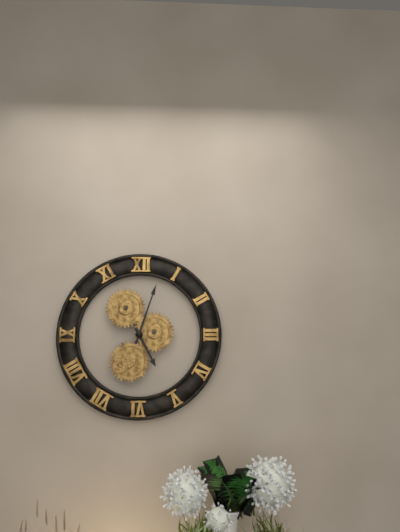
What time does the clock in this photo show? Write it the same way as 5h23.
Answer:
5h03
